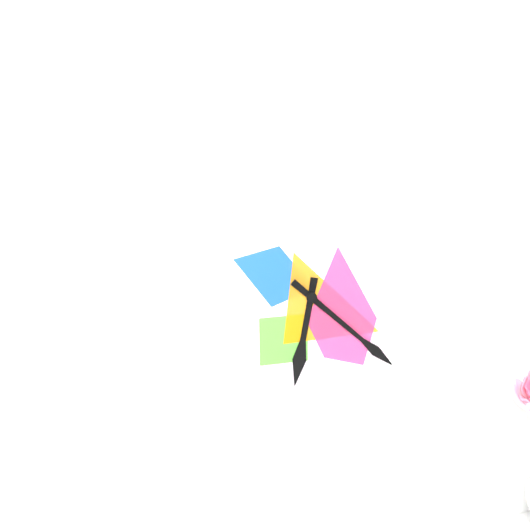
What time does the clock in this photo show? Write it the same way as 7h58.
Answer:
6h22
